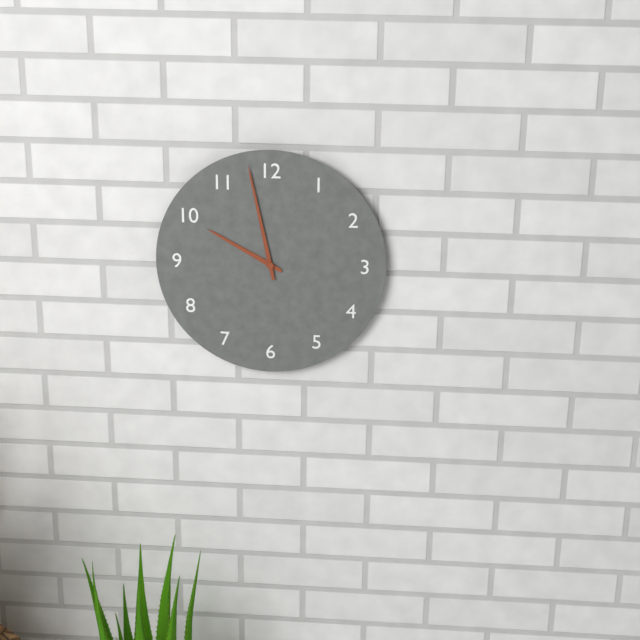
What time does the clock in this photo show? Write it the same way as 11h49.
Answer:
9h58
